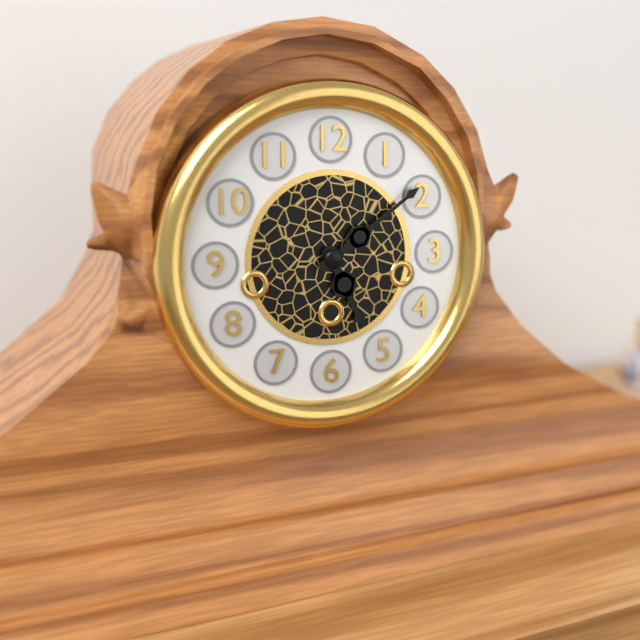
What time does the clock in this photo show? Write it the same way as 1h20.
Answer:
5h09
